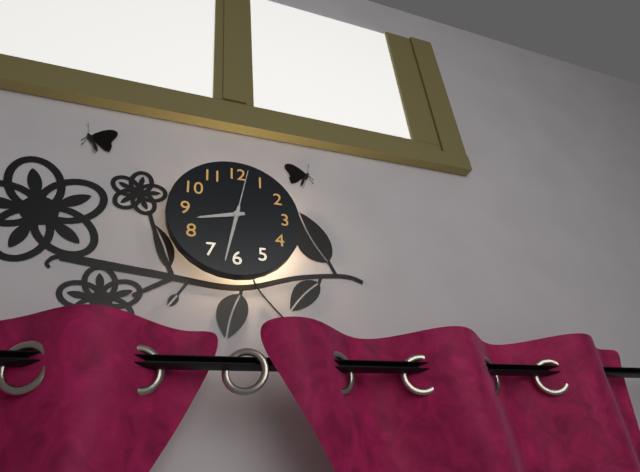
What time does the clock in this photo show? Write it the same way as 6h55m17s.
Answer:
8h32m02s
